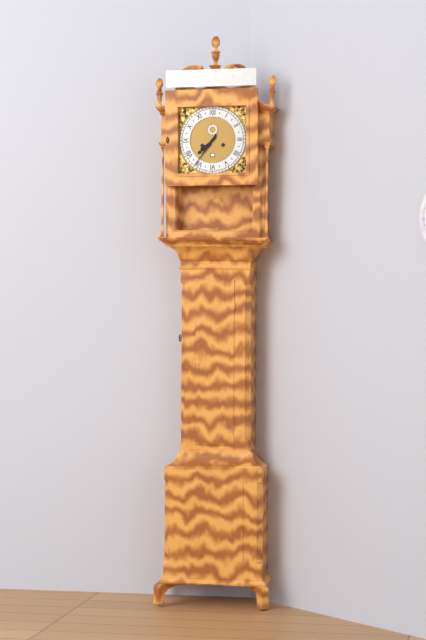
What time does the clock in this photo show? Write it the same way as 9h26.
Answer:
7h36
